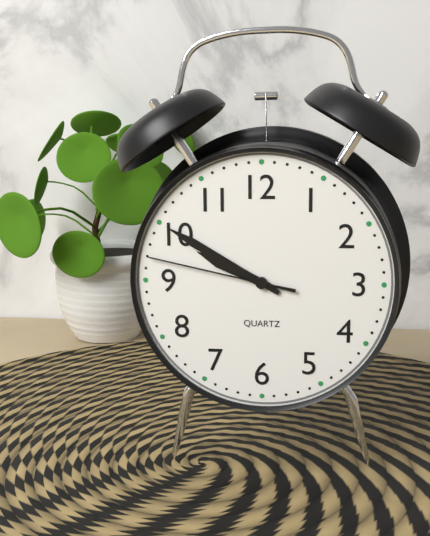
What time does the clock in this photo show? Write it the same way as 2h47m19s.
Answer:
9h50m47s
